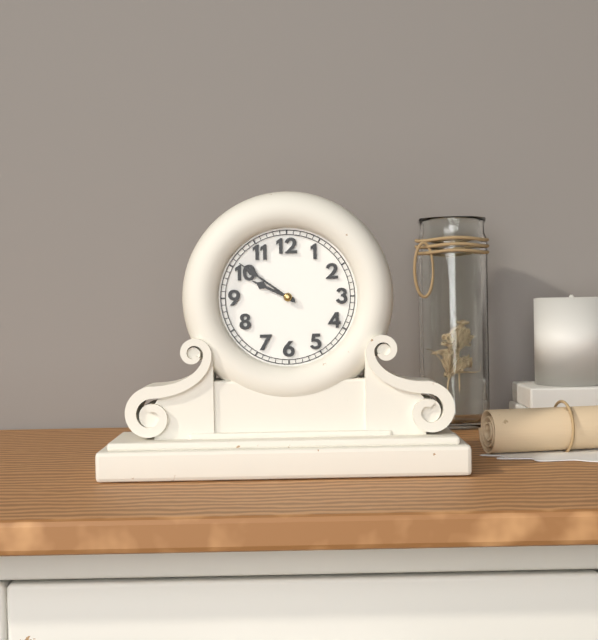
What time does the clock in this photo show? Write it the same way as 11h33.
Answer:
9h51
